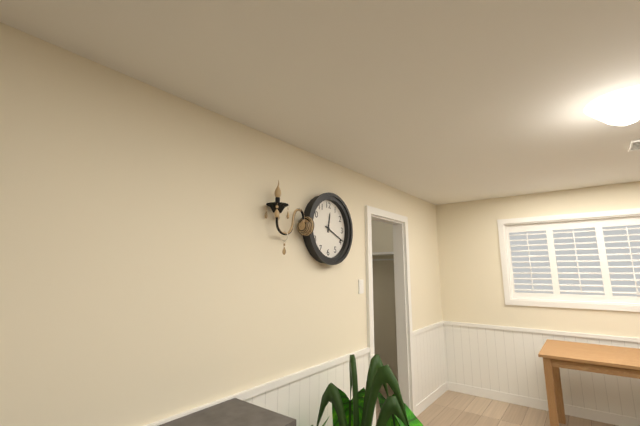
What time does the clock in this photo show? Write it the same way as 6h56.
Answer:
12h19
